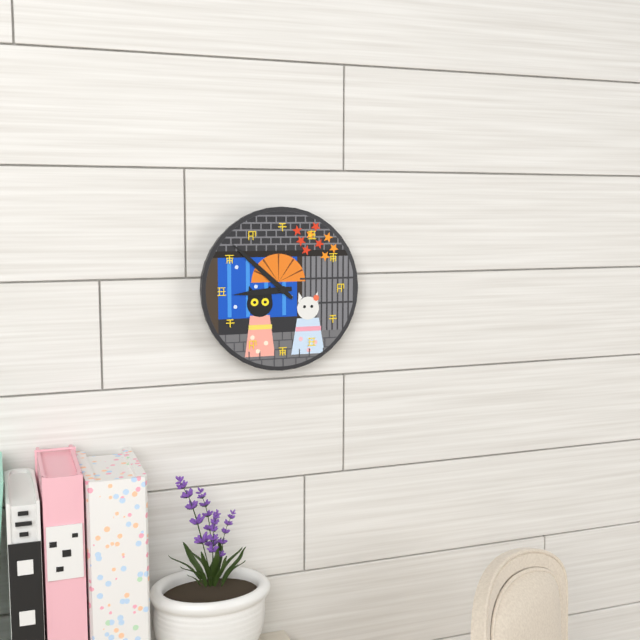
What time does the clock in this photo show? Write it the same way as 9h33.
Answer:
8h52
